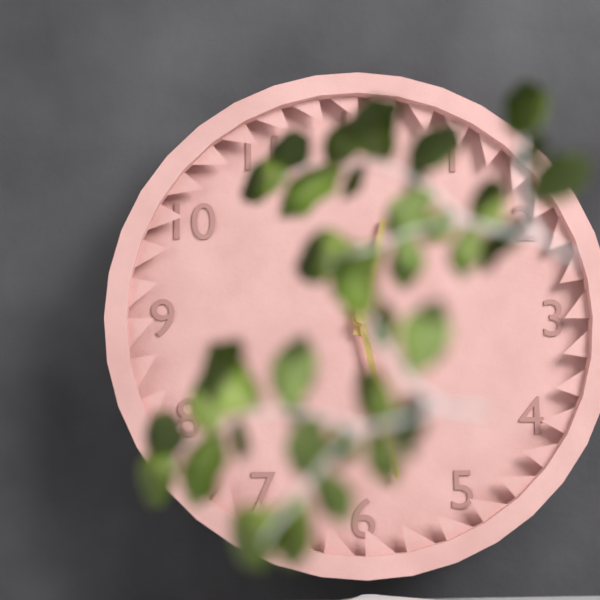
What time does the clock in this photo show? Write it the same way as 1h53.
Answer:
12h28
